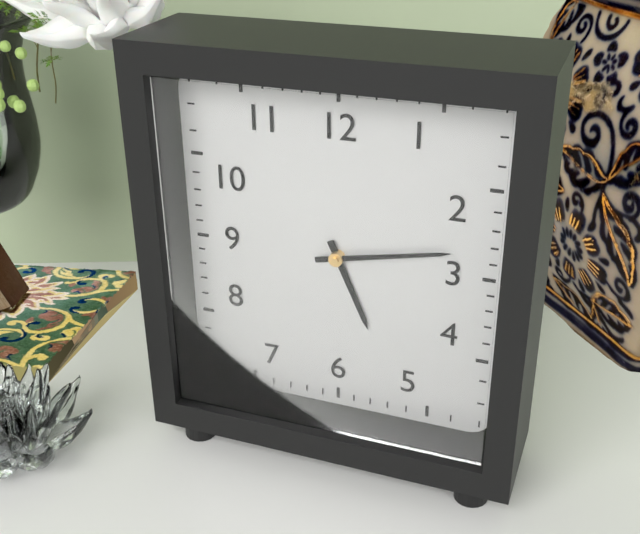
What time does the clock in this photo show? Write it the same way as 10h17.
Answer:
5h13
